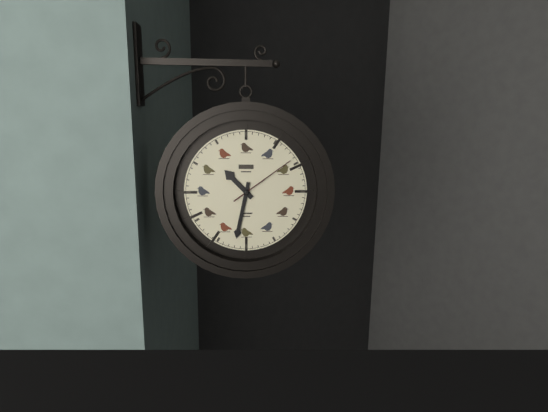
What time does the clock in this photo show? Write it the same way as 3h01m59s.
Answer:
10h32m09s
